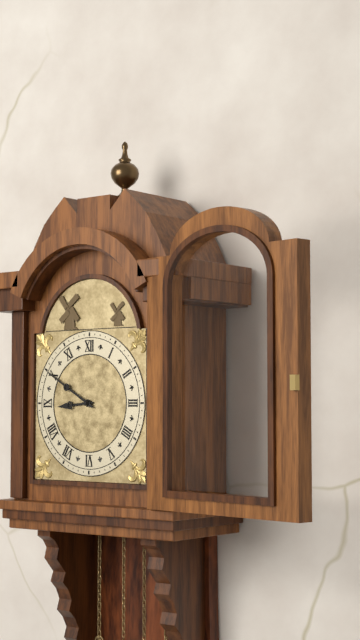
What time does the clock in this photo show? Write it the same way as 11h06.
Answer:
8h50
